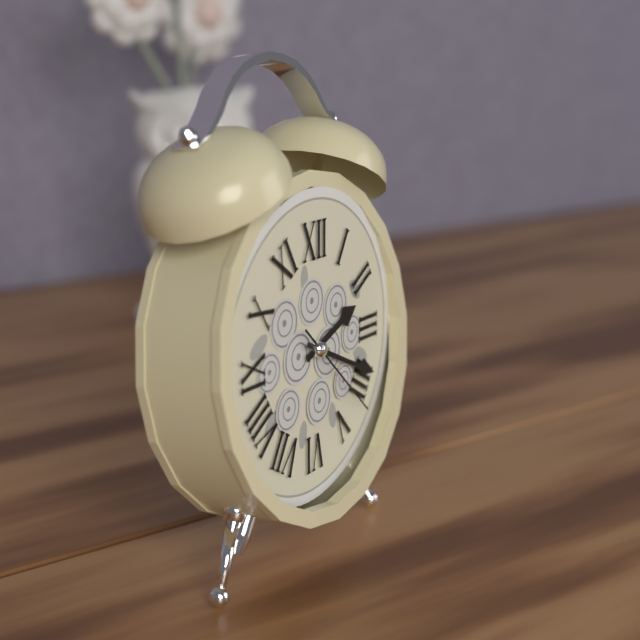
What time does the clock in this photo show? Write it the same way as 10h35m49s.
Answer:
2h19m22s
